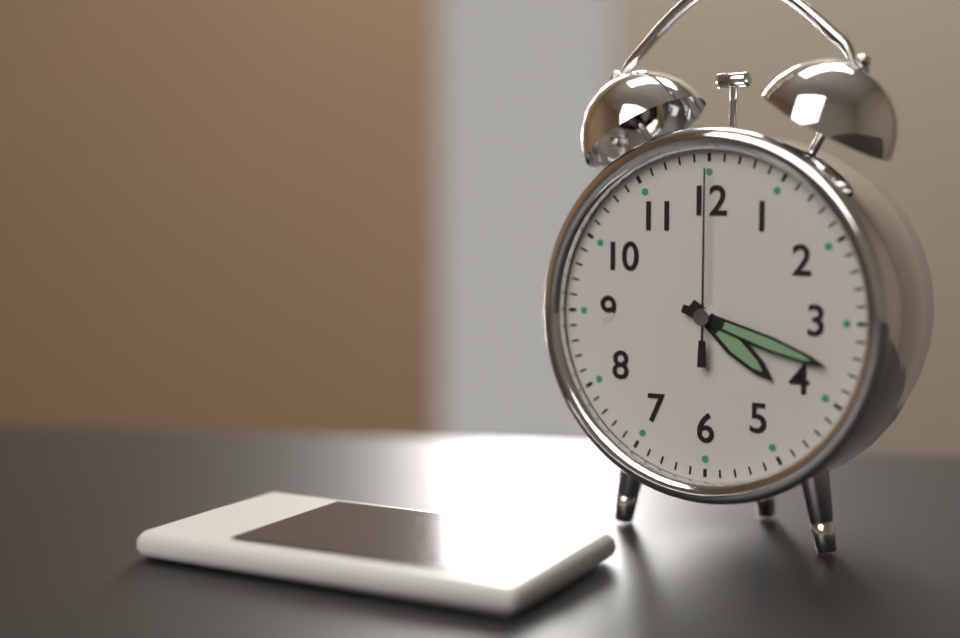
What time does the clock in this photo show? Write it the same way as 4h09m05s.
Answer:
4h18m00s
